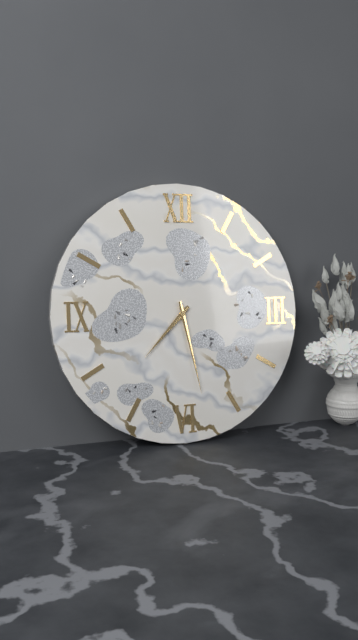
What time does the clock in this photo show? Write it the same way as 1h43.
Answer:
7h28
